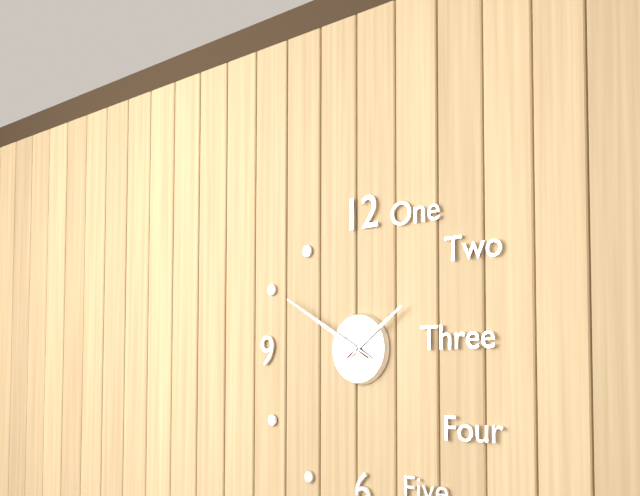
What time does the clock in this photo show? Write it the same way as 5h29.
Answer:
1h50
